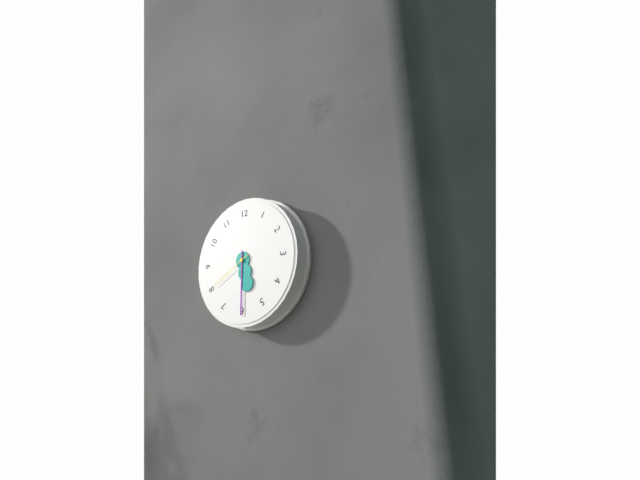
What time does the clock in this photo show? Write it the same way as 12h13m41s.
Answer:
5h30m40s
